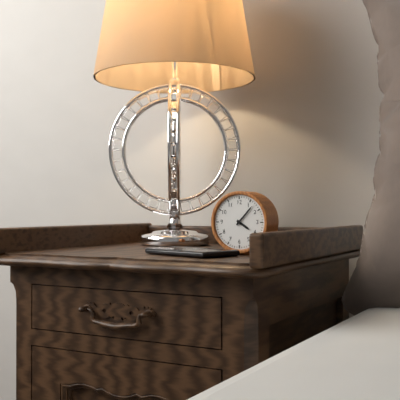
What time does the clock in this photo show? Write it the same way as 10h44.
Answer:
4h07
